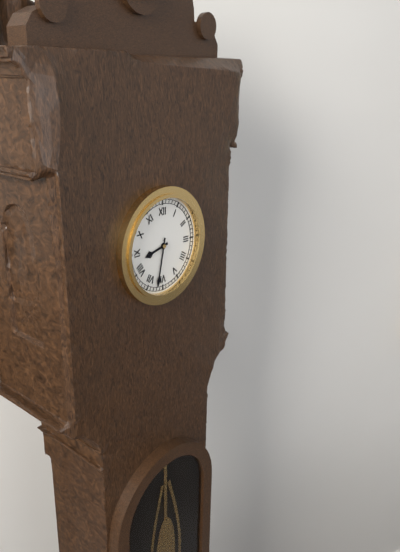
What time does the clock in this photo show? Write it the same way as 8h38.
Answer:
8h32
